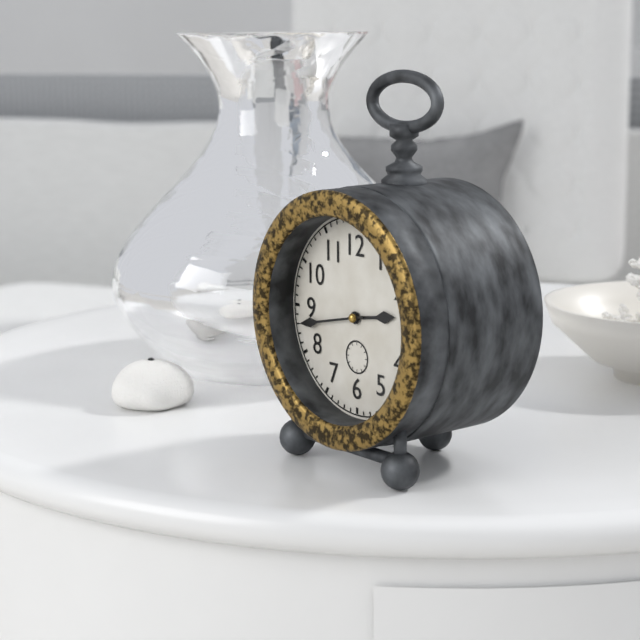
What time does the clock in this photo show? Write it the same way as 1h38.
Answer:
2h43
